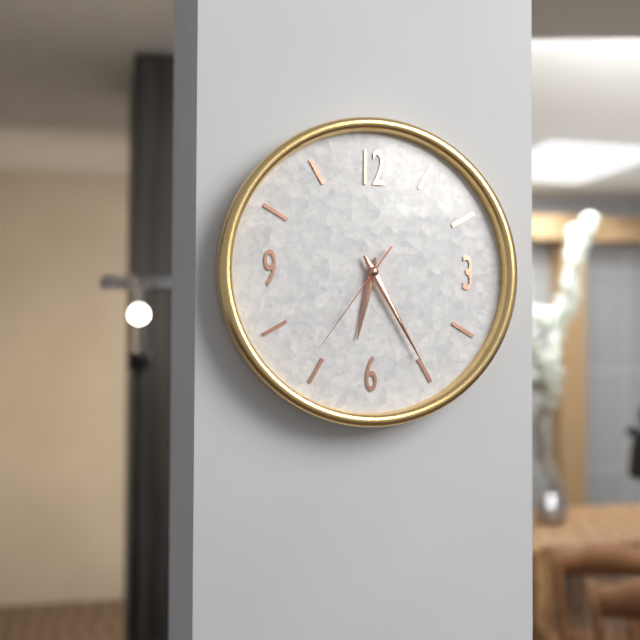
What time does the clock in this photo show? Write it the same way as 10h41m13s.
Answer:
6h25m36s
